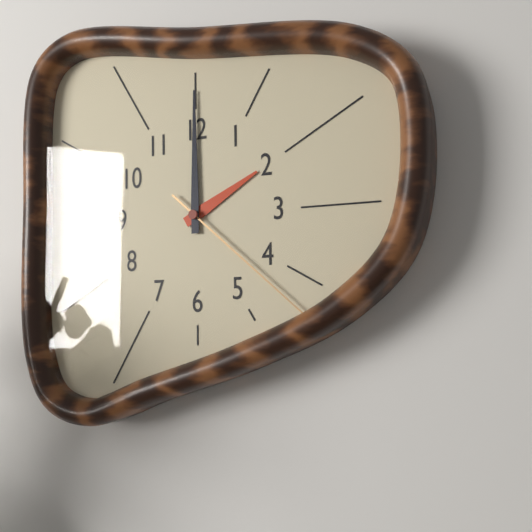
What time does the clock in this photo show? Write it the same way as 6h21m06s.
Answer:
2h00m22s
